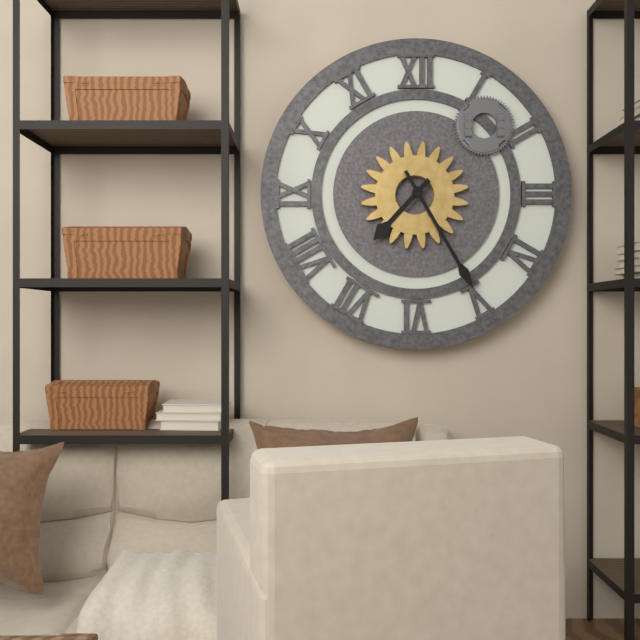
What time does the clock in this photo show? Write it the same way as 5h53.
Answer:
7h25
